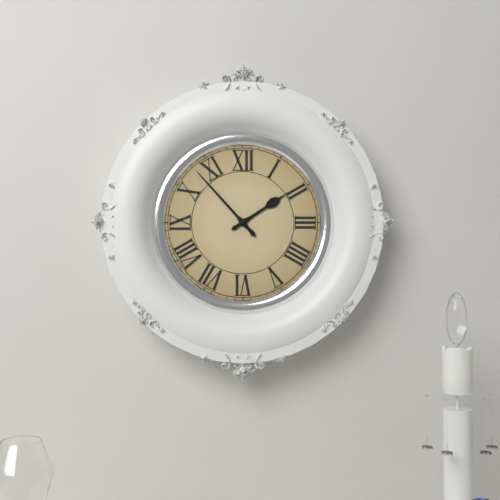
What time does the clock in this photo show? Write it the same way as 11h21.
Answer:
1h53
